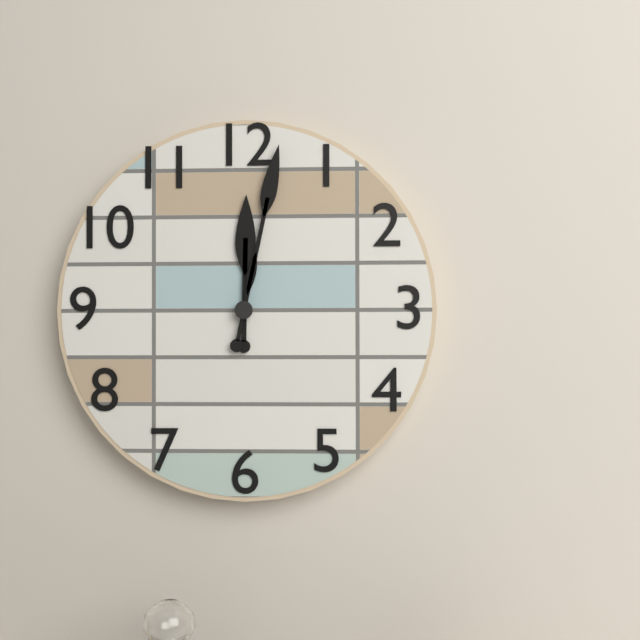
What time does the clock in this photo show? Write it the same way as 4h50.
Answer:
12h02
